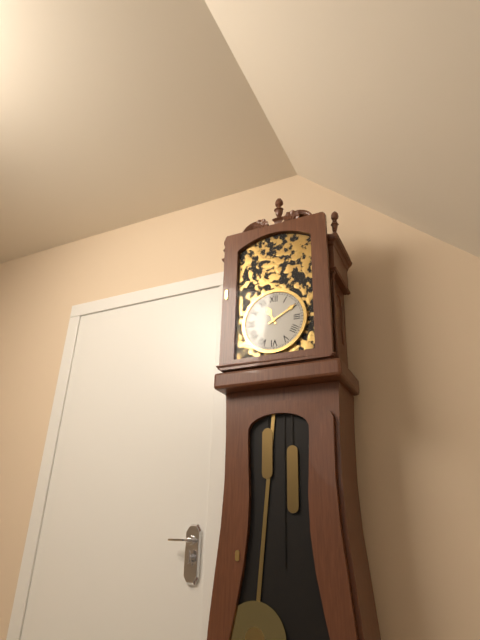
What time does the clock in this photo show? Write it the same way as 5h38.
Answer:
11h10
